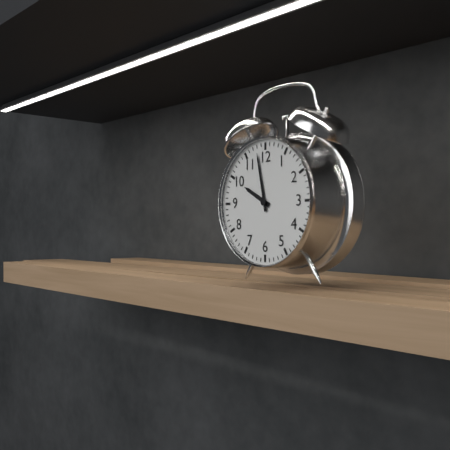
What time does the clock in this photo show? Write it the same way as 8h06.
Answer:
9h58
